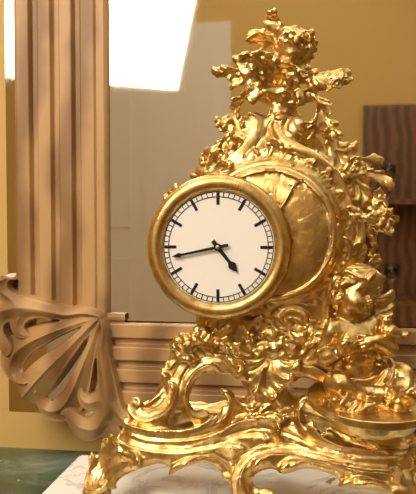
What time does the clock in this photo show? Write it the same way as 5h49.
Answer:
4h43
